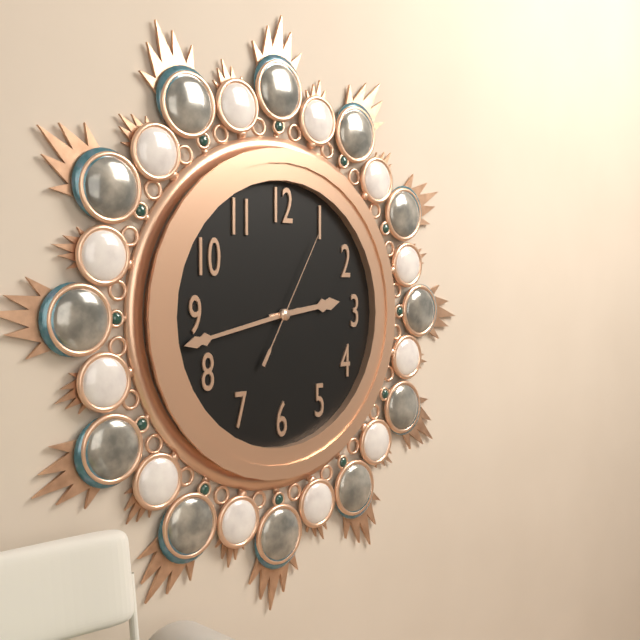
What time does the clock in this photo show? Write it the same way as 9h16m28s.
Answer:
2h43m05s
